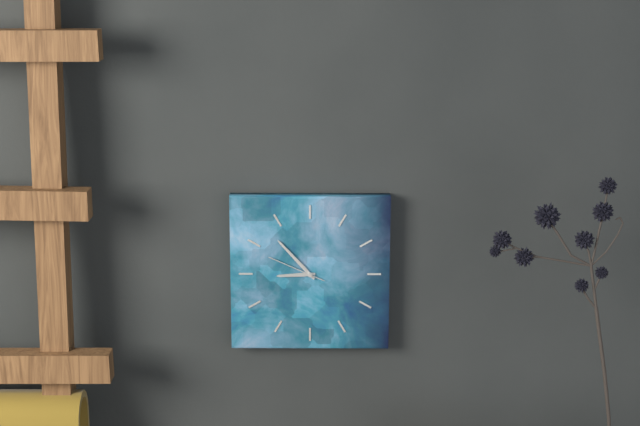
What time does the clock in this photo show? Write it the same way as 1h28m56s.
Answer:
8h53m49s
